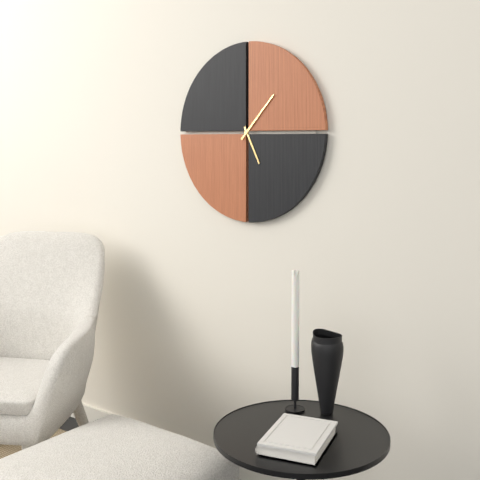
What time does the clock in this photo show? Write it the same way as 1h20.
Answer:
5h07
